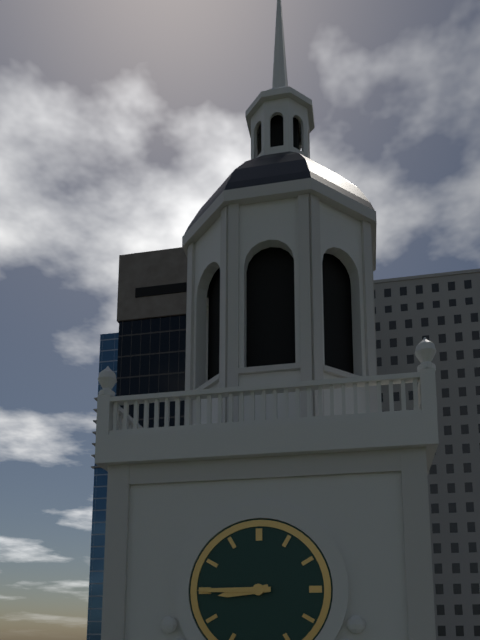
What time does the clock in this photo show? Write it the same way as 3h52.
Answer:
8h45
